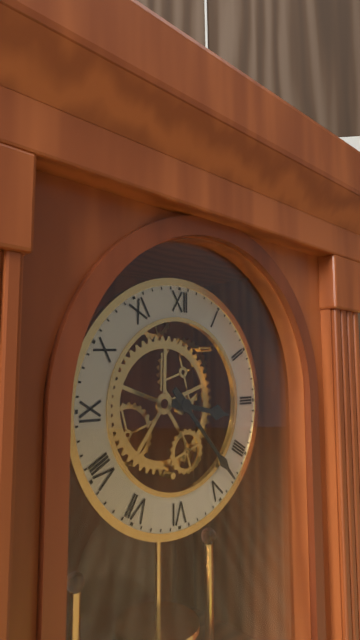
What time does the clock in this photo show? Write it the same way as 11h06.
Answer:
3h23
